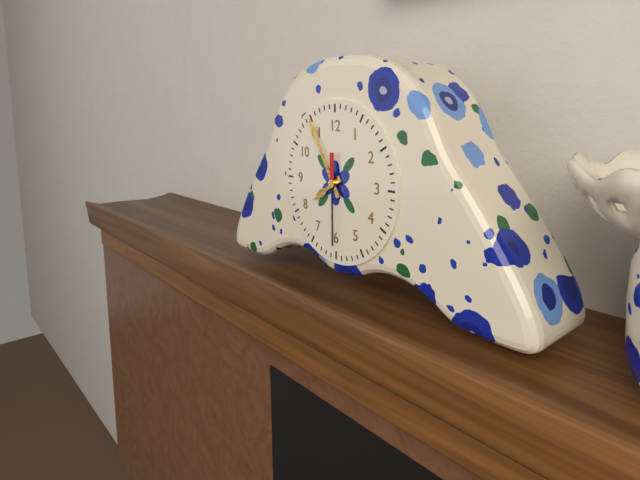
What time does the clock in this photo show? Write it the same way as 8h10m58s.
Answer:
7h55m30s
